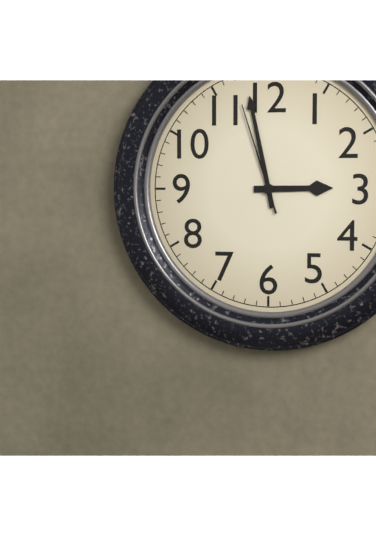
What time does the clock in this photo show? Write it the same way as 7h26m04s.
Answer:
2h58m57s
